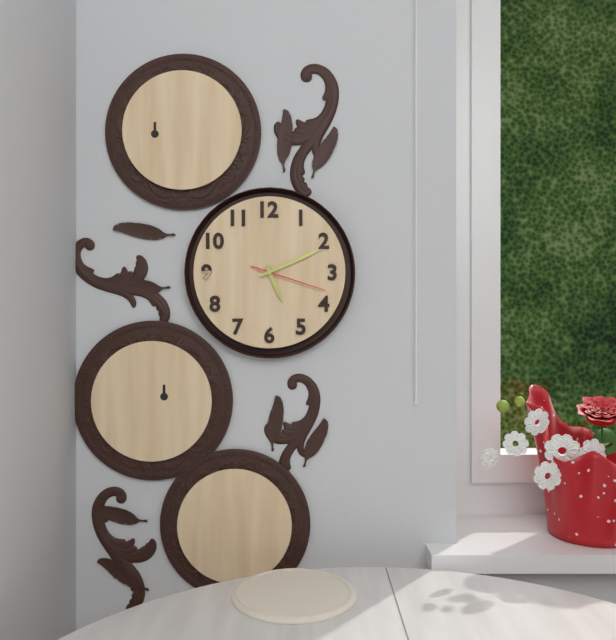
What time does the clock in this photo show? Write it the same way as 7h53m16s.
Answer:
5h11m18s
